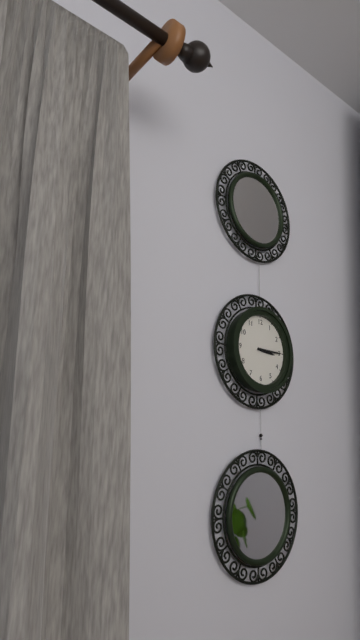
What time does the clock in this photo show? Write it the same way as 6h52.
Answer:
3h15
